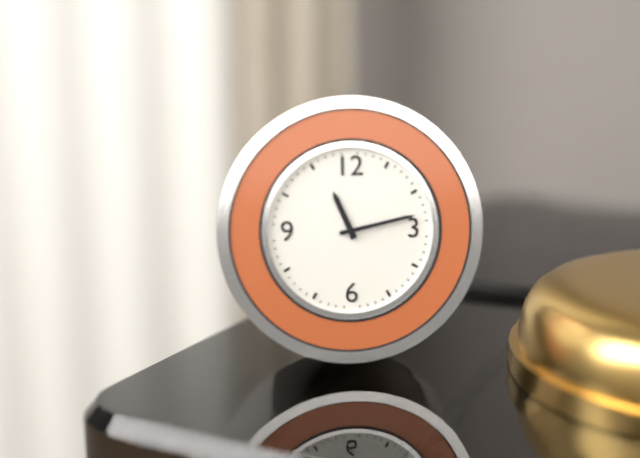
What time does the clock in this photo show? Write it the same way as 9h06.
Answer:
11h13
